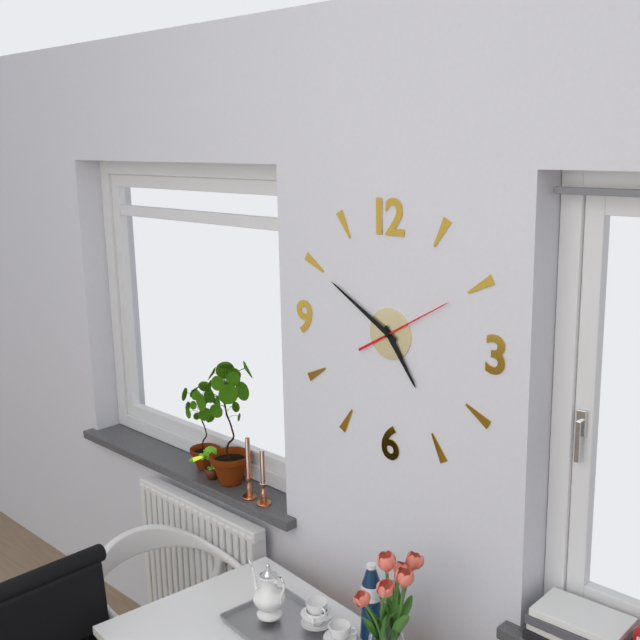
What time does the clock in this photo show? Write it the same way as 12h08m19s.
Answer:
4h50m10s
